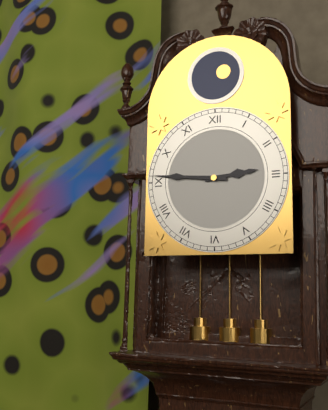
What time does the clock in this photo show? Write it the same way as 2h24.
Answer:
2h46
